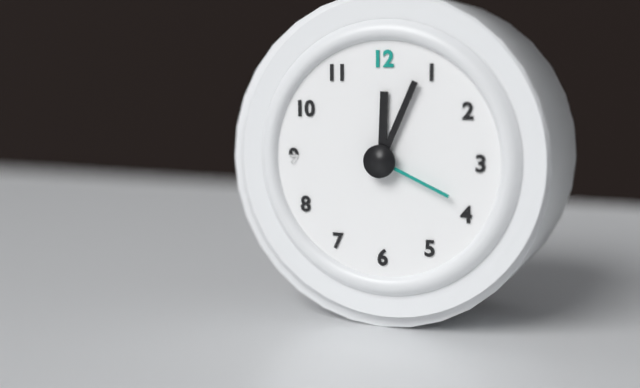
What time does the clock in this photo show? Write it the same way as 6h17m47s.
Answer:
12h04m19s
